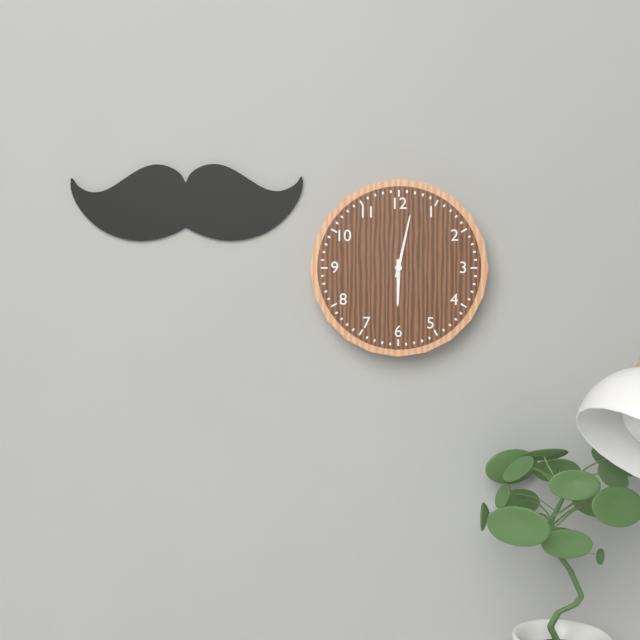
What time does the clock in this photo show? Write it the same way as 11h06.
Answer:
6h02
